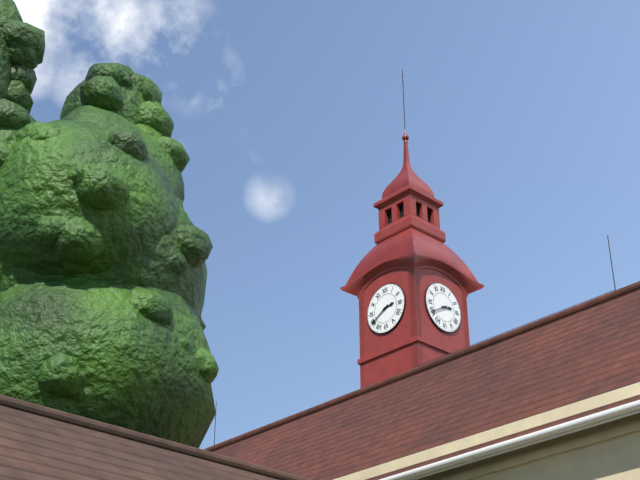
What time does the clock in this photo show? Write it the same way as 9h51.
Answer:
2h40
